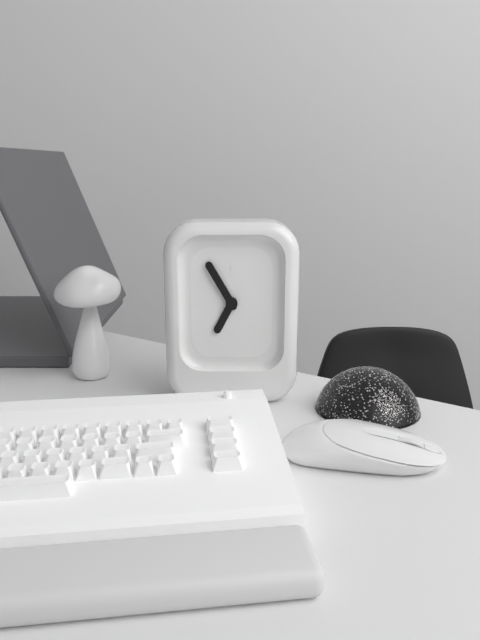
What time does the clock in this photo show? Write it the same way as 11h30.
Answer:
6h55
